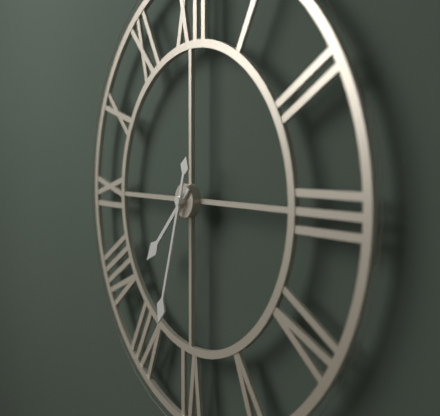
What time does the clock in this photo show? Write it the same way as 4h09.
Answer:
7h33
